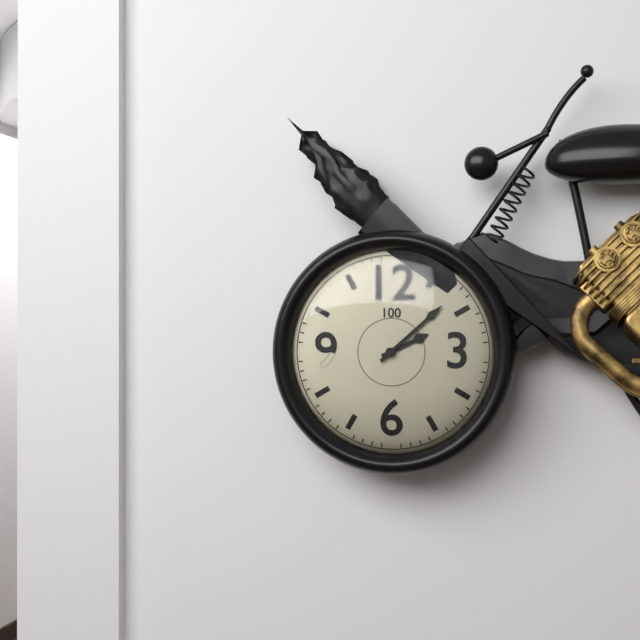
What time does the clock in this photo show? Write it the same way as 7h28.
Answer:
2h08
